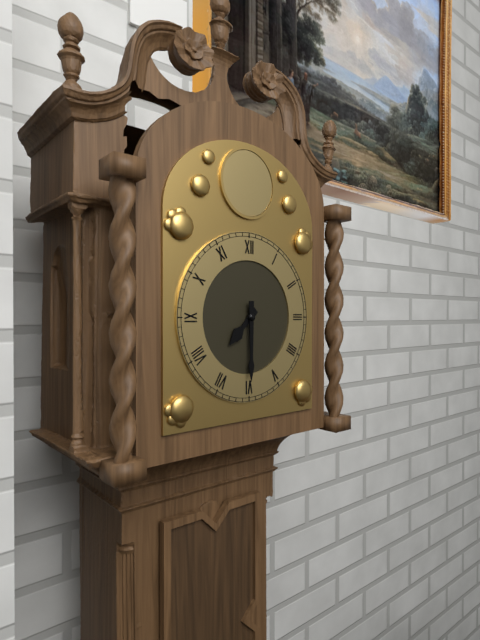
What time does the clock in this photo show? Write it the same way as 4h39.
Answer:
7h30
